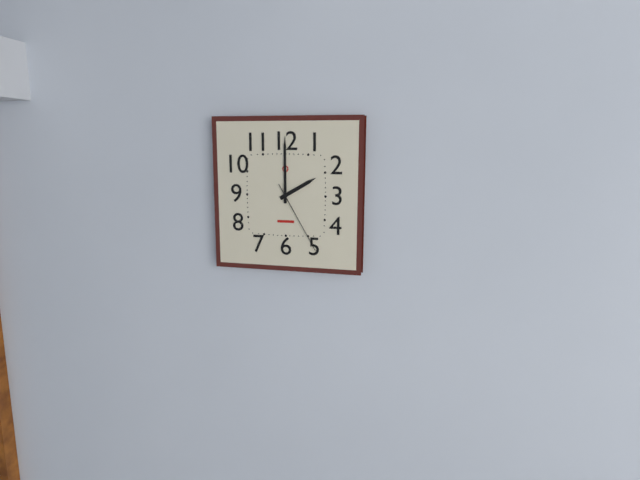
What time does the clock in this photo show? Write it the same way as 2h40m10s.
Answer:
2h00m25s
